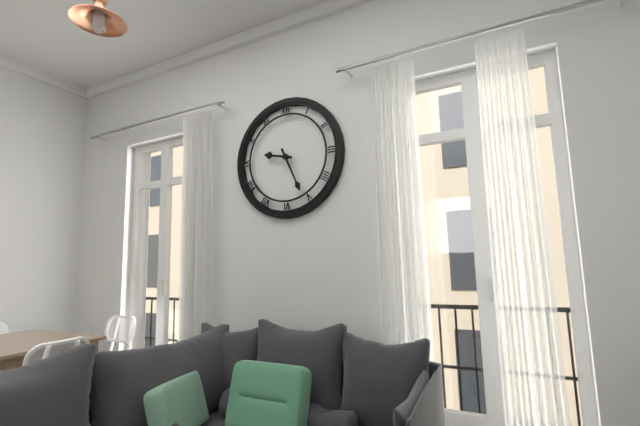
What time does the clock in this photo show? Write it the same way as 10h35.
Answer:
9h26
